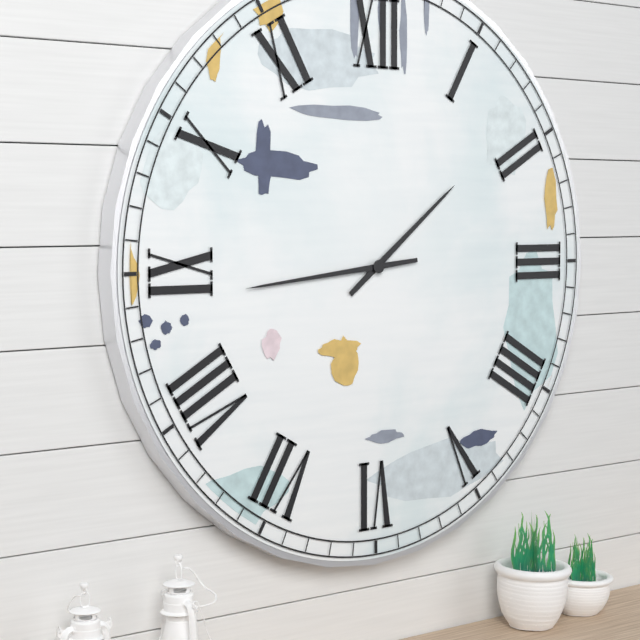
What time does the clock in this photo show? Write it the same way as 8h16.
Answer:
1h44
